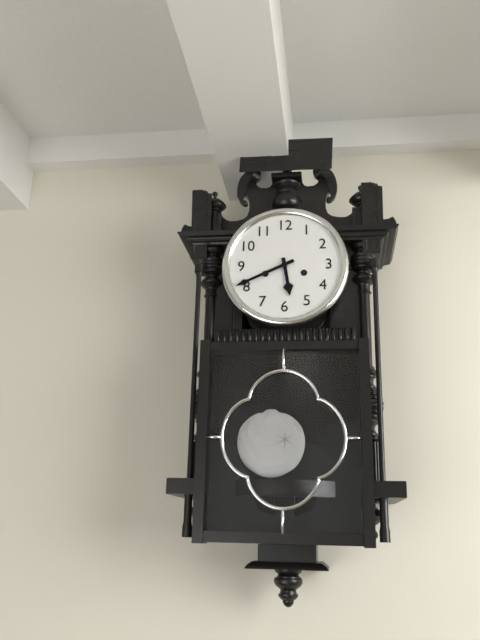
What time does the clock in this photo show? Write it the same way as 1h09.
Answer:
5h41
